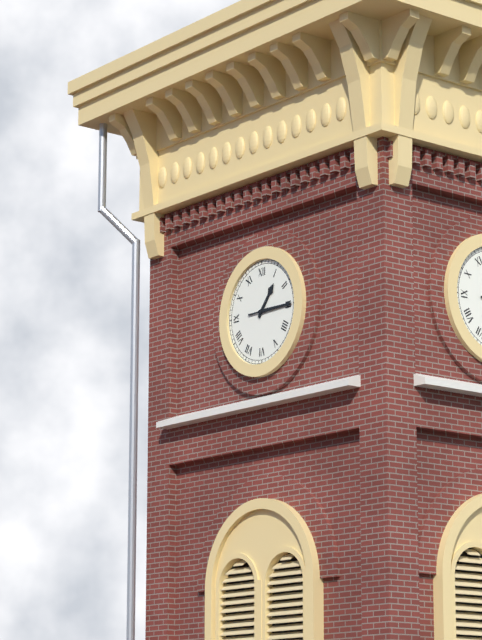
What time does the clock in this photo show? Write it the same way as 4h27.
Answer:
1h15
